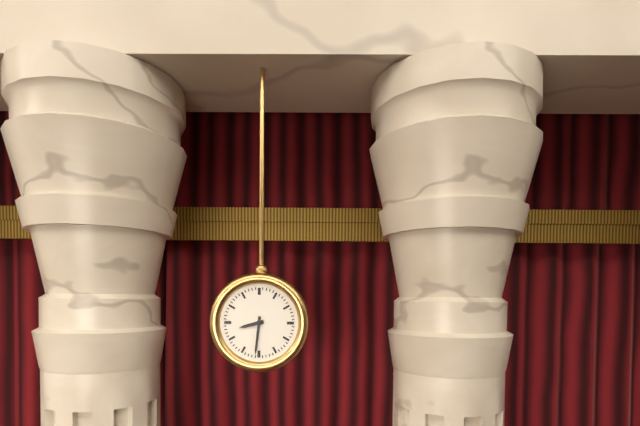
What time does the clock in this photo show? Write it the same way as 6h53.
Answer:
8h31
